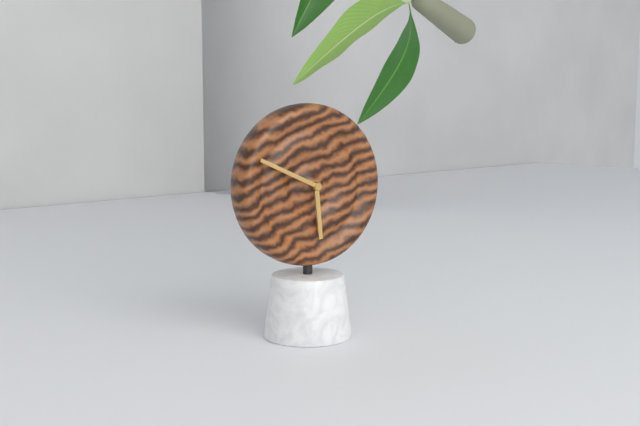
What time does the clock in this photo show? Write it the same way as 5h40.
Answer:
5h49
